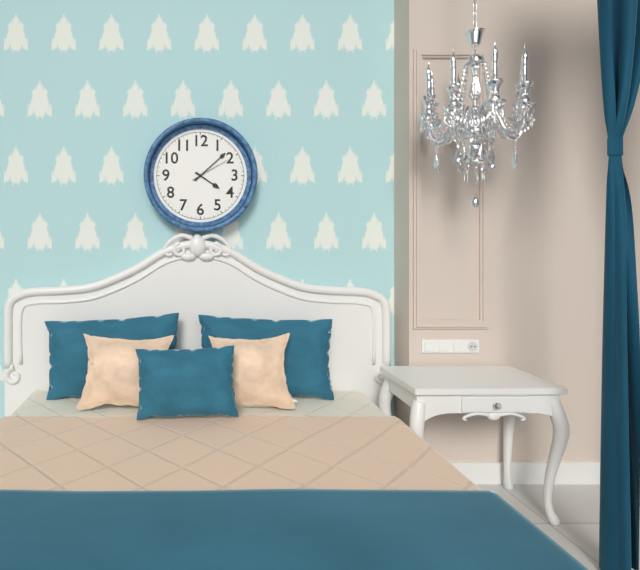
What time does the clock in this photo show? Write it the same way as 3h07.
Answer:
4h08
